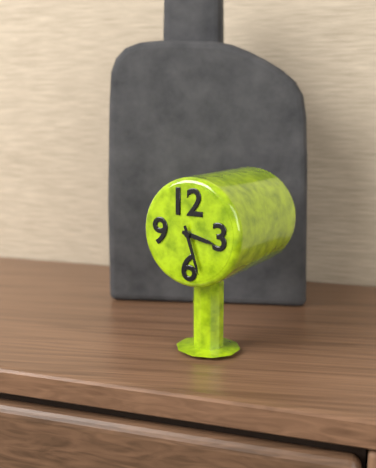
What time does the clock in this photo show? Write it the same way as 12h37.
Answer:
3h27
